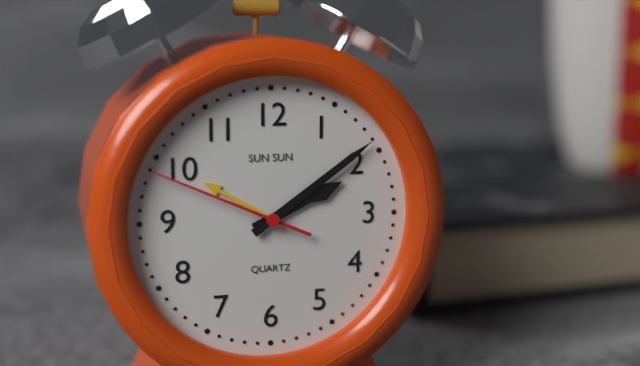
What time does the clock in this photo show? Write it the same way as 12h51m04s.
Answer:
2h09m49s
